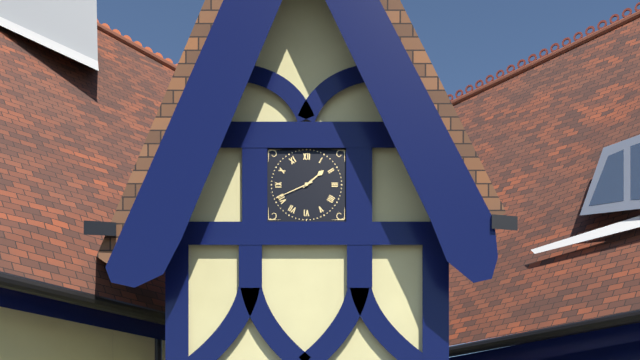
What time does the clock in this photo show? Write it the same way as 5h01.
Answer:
1h41
